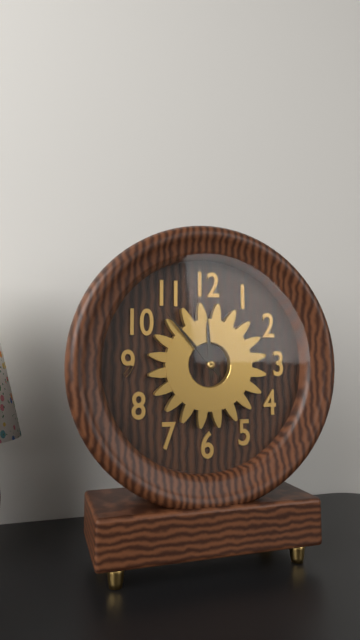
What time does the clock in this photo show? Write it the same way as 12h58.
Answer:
11h53
